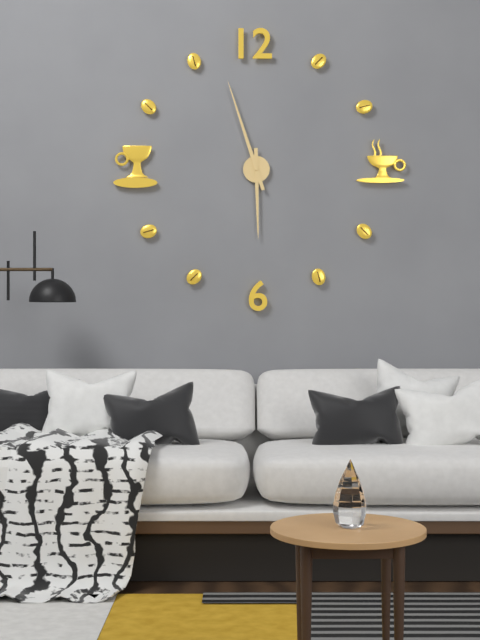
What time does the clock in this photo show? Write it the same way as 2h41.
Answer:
5h57
